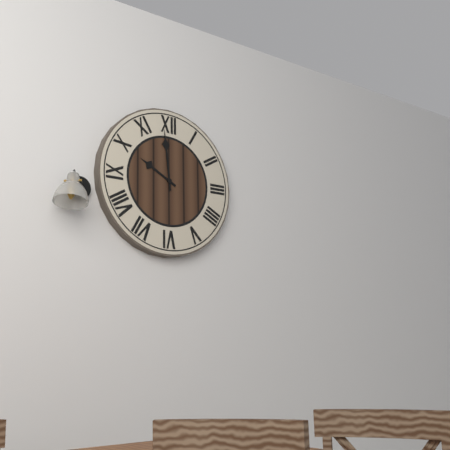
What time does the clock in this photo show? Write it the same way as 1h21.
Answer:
9h59
